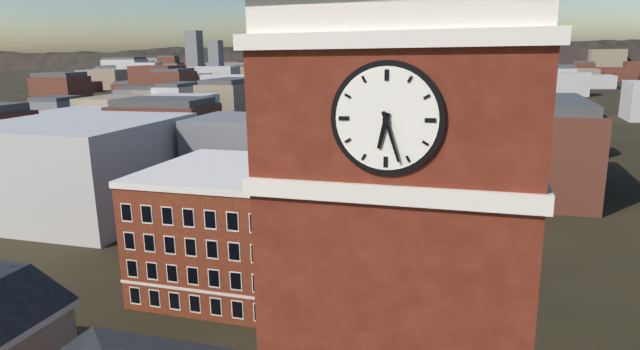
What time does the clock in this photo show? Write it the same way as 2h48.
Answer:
6h27
